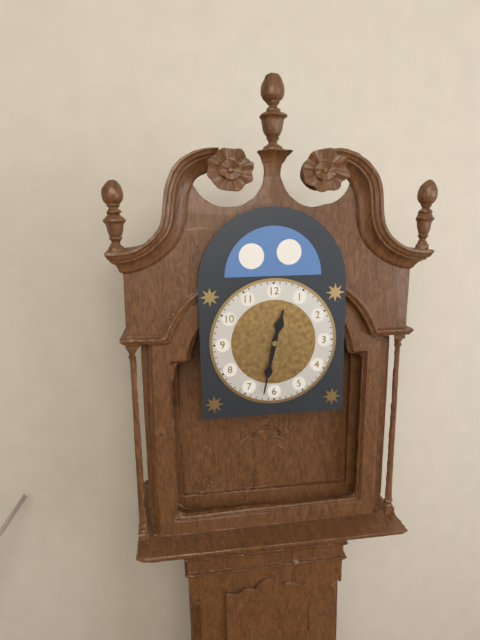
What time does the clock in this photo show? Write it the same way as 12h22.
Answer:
12h32
